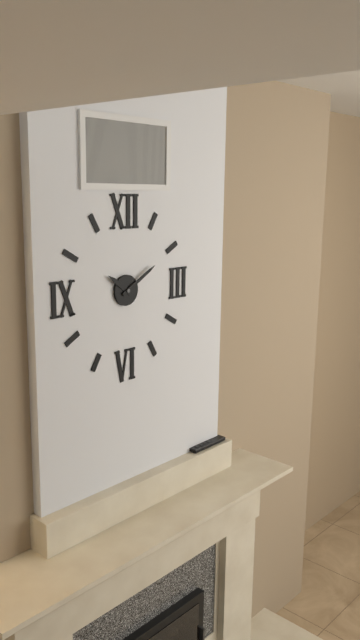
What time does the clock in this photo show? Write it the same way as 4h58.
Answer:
10h10
